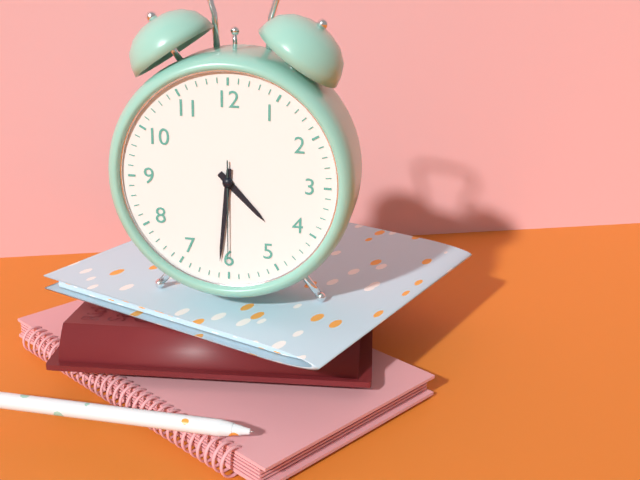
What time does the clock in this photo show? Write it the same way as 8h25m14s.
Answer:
4h31m30s
